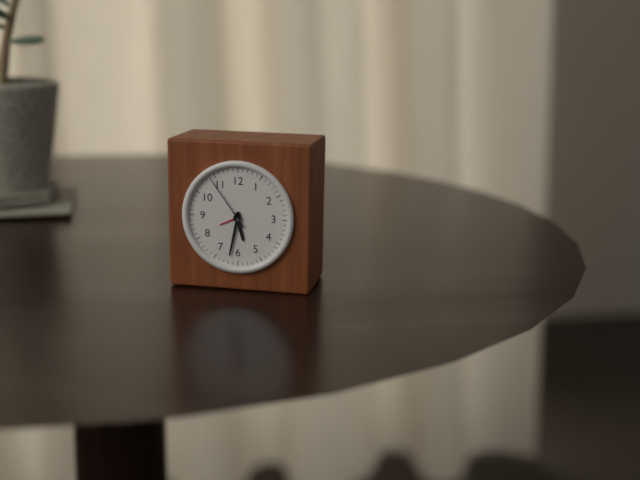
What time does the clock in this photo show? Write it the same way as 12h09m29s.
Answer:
5h32m54s
